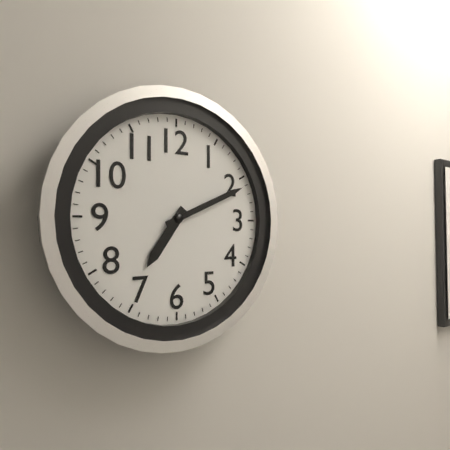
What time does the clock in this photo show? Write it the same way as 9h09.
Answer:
7h11
